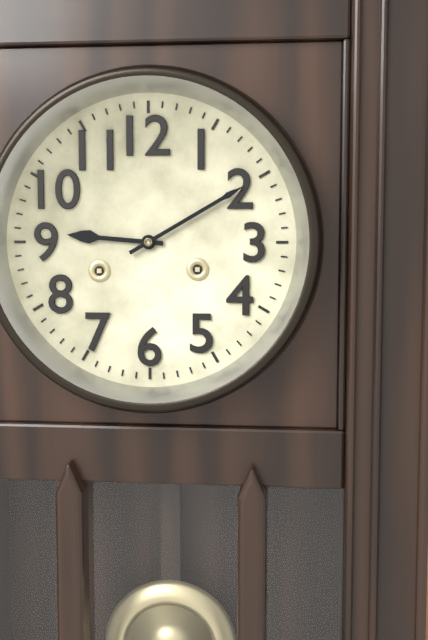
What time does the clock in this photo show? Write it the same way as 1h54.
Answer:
9h10
